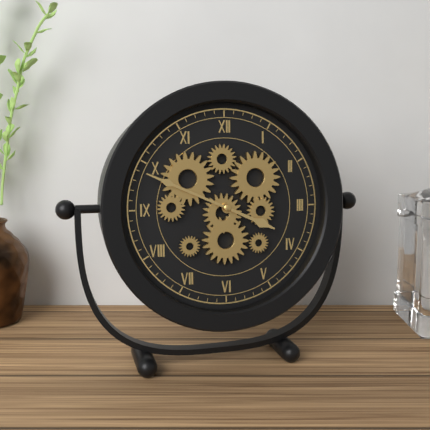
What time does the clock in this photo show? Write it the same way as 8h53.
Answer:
3h49
